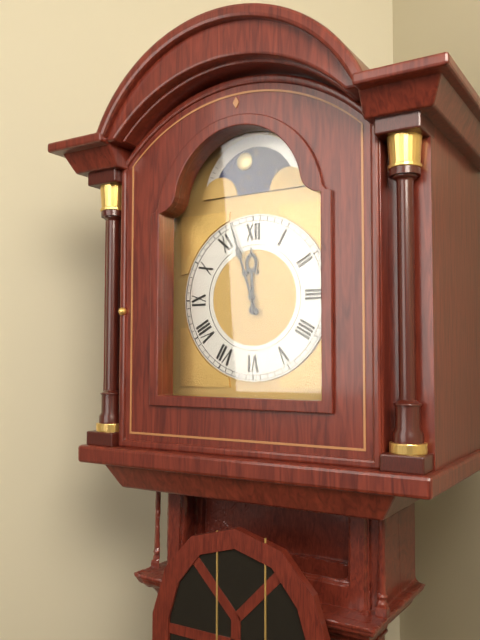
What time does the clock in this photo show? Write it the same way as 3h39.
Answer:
11h57
